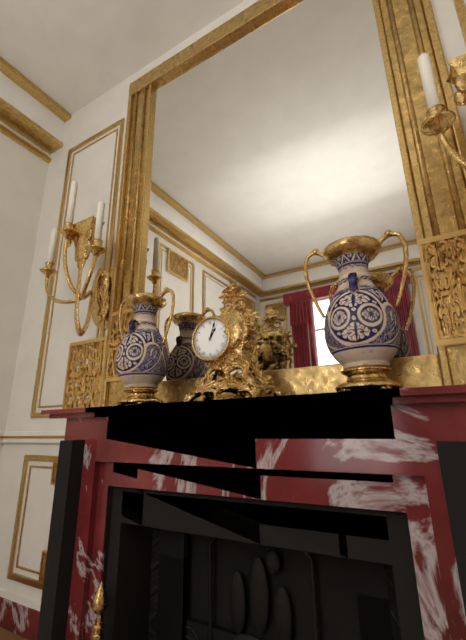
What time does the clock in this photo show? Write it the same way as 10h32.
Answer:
1h03
